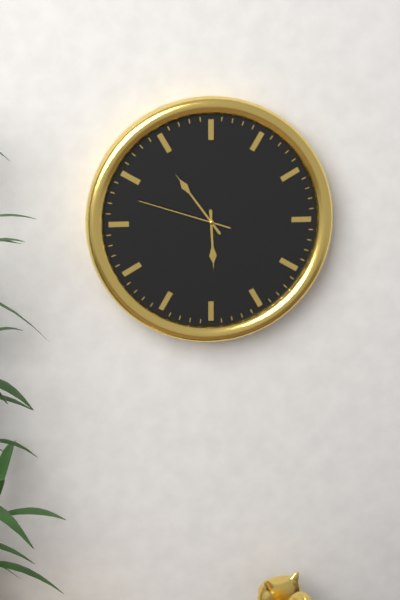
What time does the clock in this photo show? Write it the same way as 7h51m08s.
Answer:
5h54m48s
